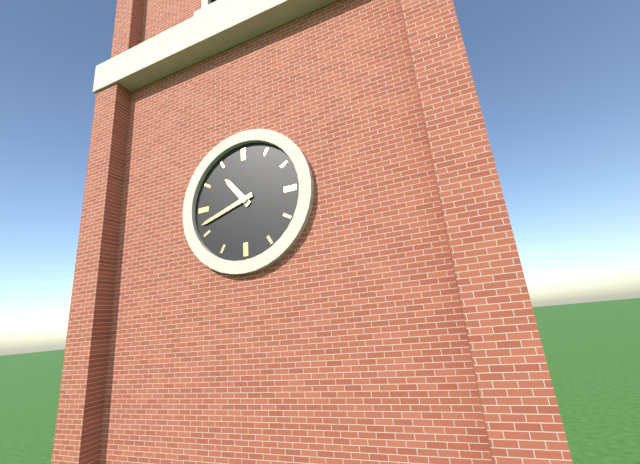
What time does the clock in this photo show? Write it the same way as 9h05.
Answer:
10h42
